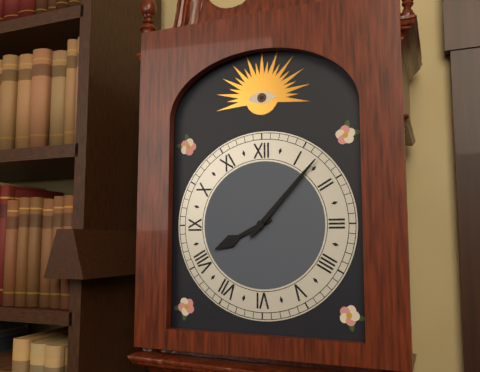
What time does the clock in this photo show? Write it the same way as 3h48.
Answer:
8h07
